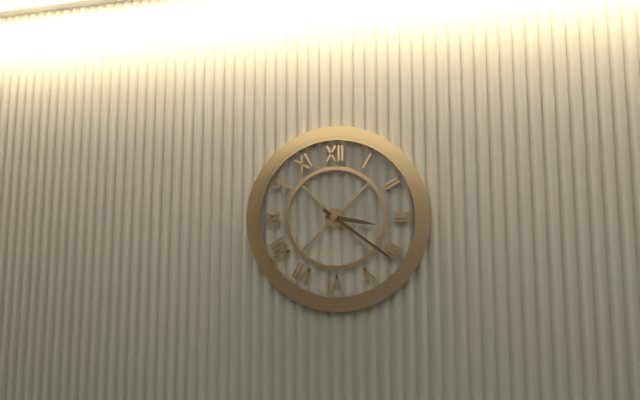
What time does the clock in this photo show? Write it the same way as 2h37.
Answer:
3h21
